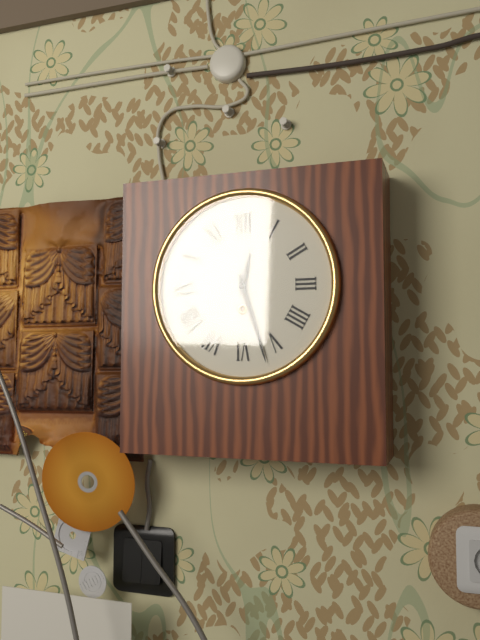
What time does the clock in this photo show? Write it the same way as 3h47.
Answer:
12h27
